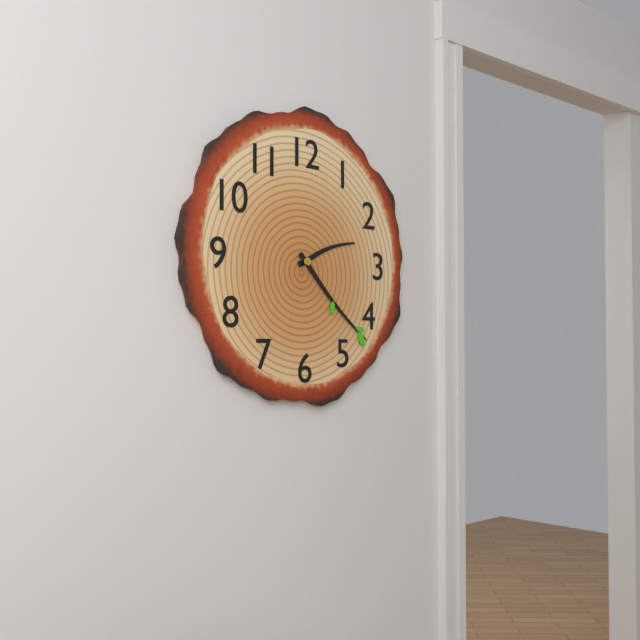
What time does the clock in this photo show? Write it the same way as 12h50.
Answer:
2h22
